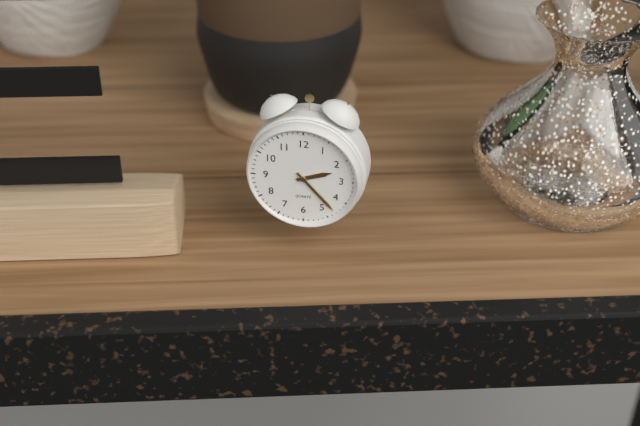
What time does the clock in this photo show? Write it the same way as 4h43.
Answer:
2h23
